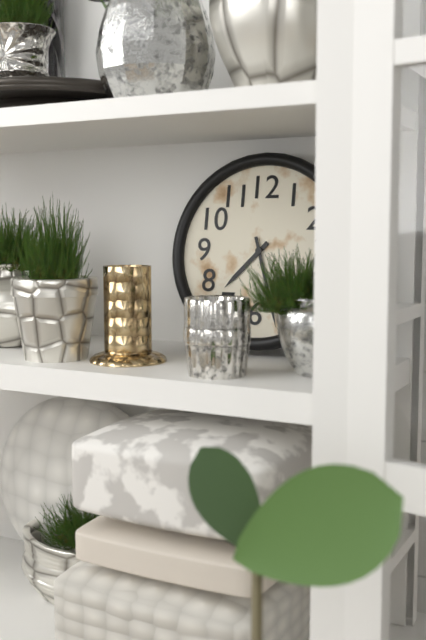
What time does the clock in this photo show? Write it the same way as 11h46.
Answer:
7h27
